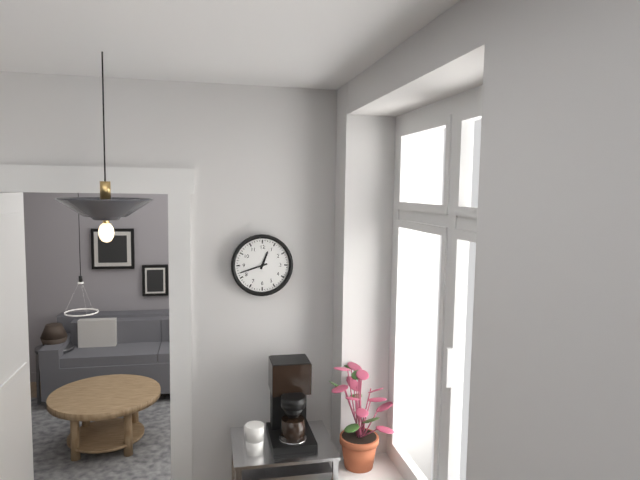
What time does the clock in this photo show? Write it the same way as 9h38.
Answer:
12h42
